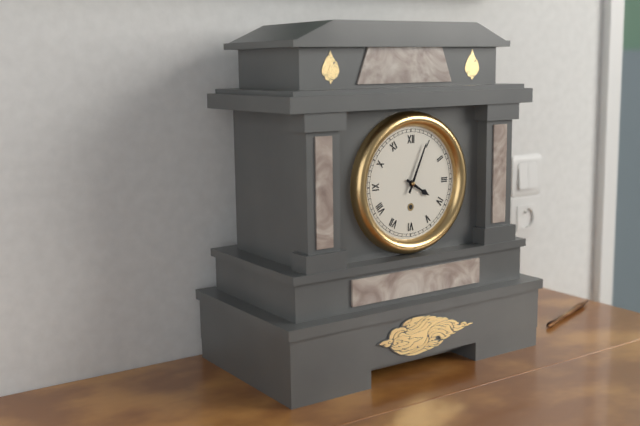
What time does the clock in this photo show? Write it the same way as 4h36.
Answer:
4h04
